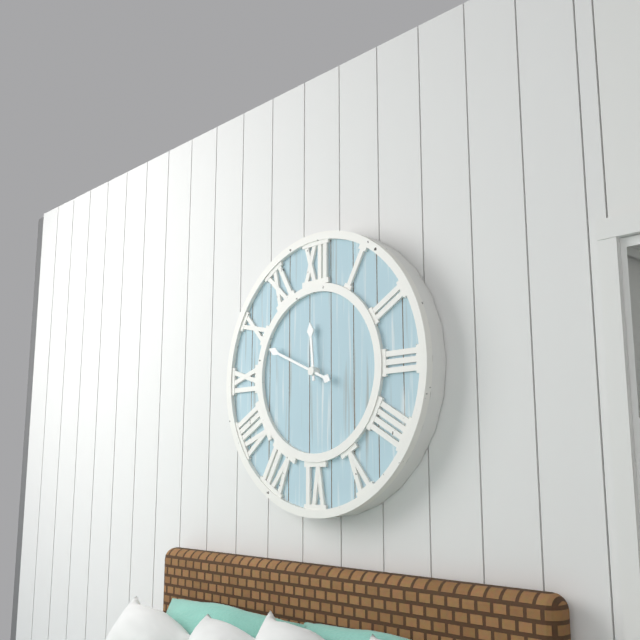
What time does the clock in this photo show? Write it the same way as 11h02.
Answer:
11h49
